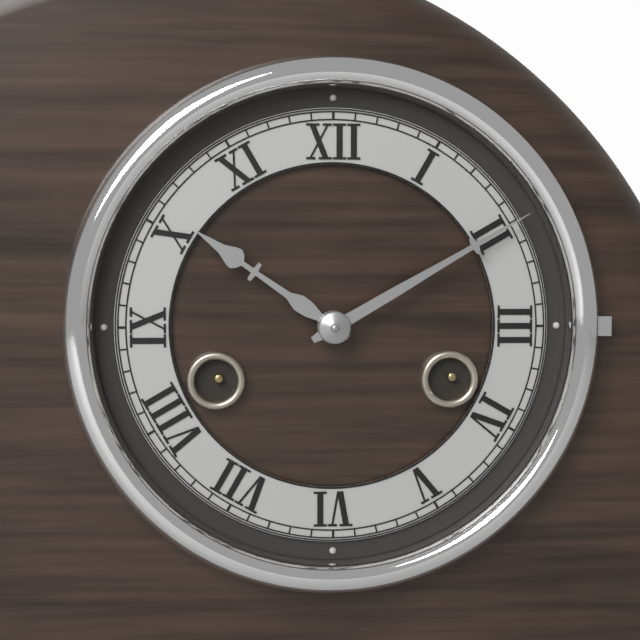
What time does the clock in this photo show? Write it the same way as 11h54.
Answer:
10h10
